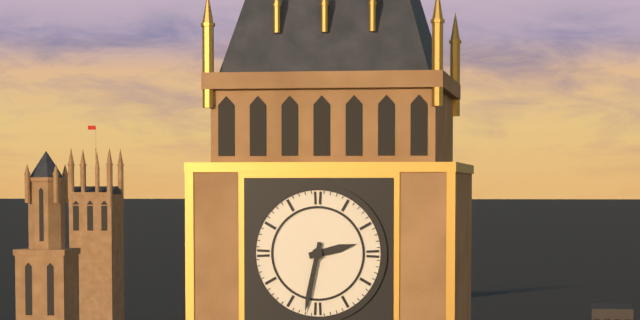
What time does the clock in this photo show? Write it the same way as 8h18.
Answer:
2h32
